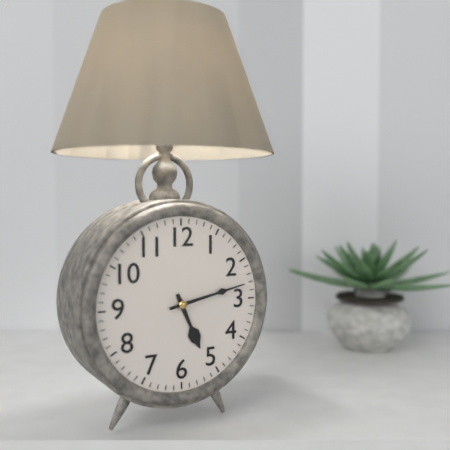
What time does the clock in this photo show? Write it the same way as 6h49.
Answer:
5h13
